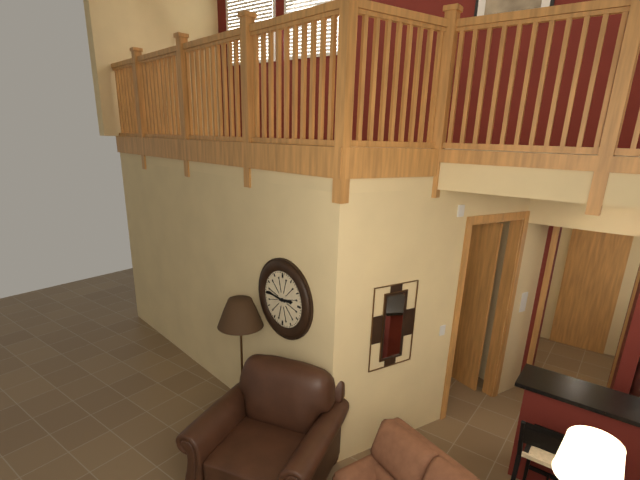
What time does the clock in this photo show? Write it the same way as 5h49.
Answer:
2h46
